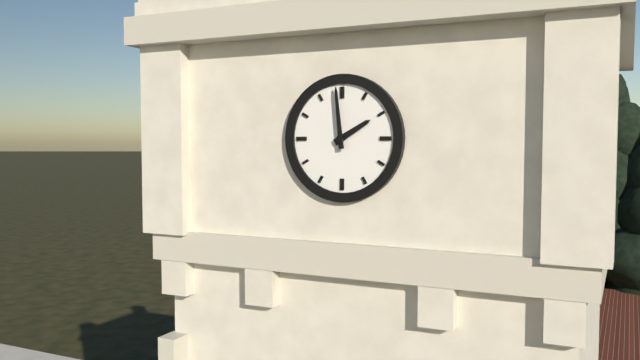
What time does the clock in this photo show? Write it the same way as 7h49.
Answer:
1h59
